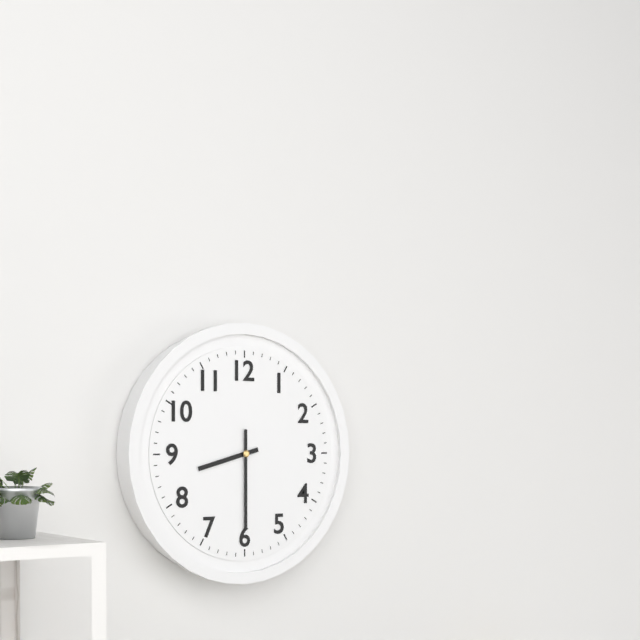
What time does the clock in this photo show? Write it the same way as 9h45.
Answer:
8h30
